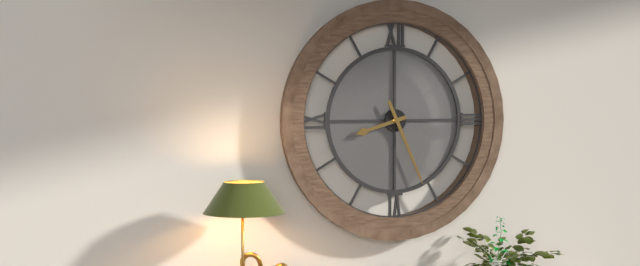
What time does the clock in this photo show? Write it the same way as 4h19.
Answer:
8h26
